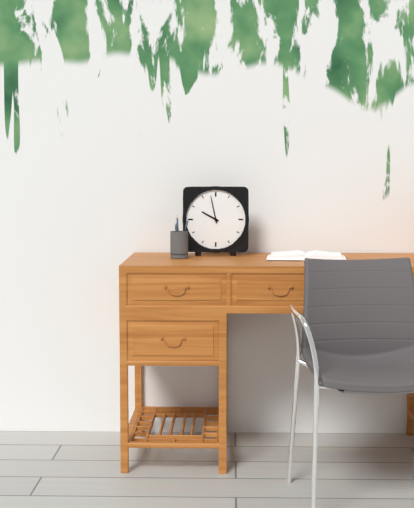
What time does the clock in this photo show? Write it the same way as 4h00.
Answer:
9h58
